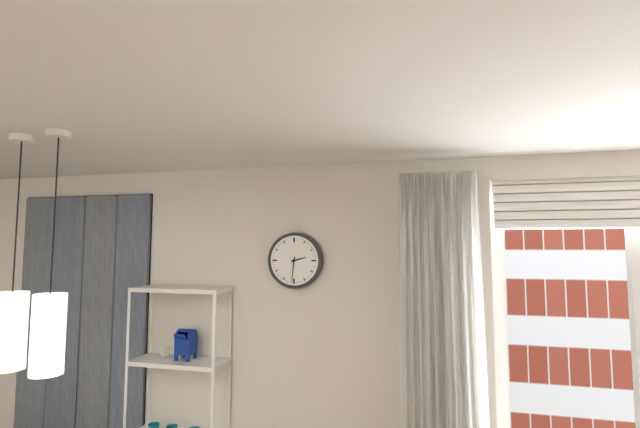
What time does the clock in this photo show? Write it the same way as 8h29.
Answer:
2h31
